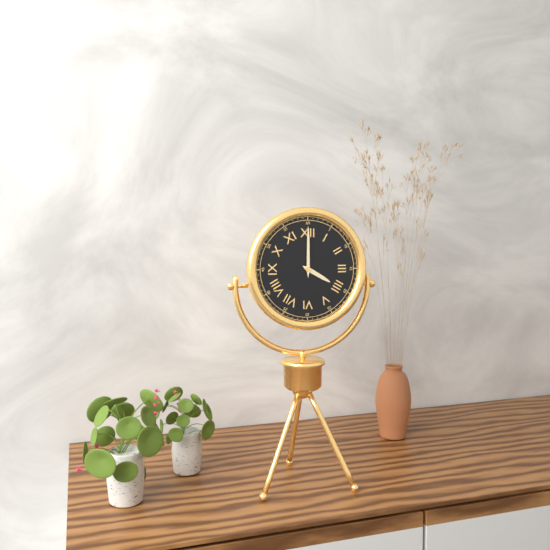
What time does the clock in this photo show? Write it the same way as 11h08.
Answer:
4h00
